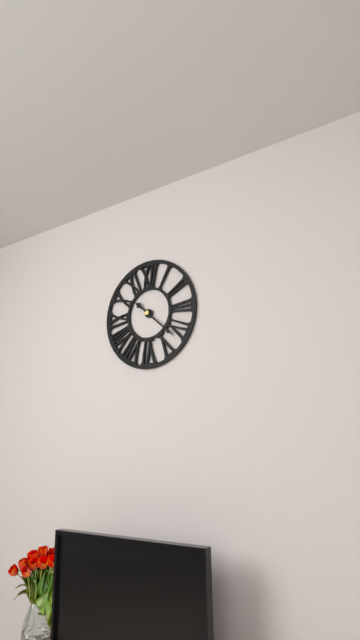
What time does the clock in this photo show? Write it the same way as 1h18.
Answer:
10h22
